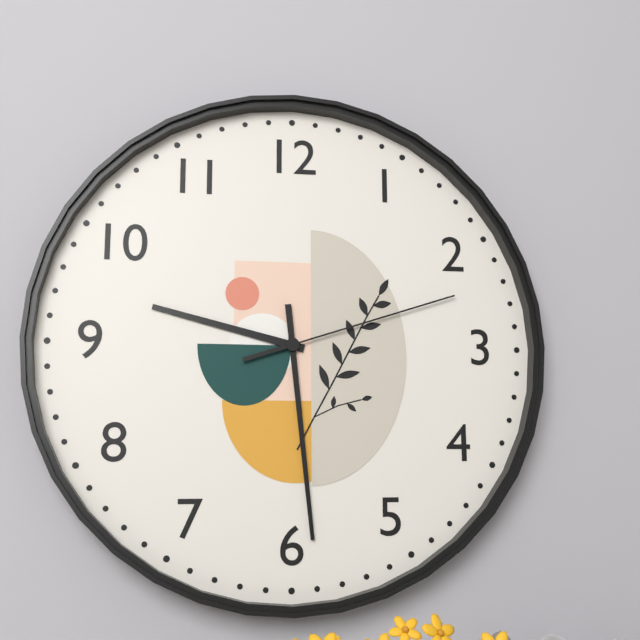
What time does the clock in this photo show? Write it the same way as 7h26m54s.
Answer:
9h29m12s
